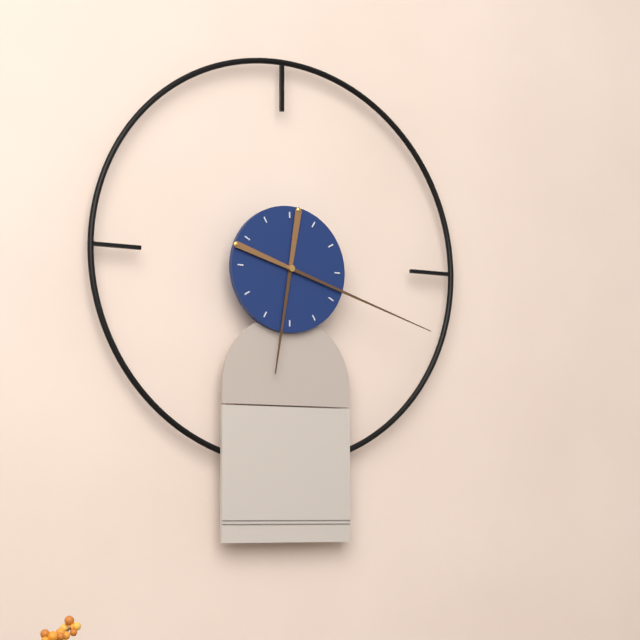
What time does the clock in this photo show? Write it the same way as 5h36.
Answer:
6h18
